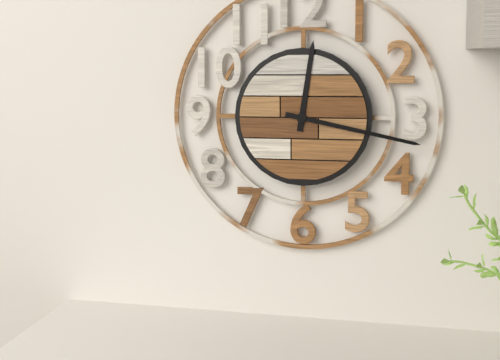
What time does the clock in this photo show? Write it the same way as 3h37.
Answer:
12h17
